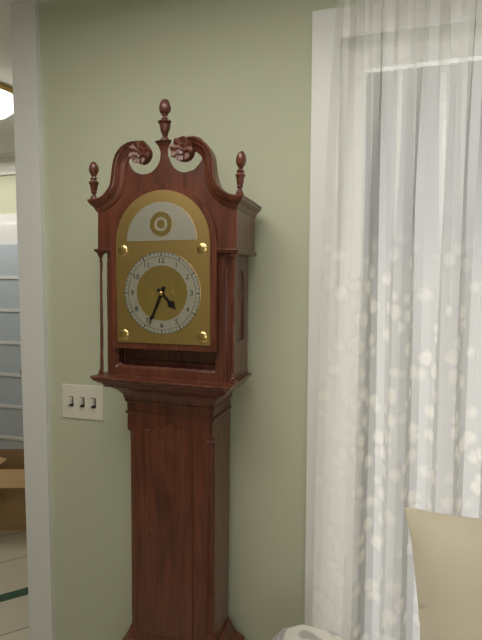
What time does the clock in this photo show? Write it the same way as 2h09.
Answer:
4h34
